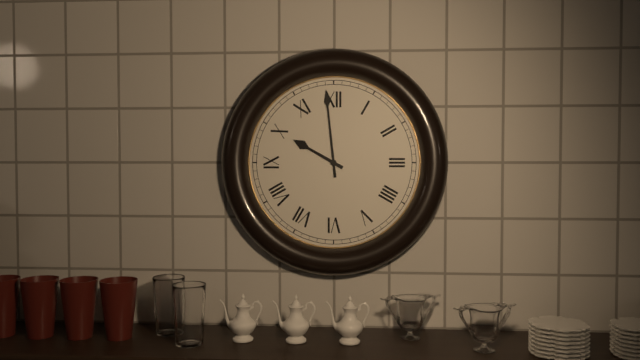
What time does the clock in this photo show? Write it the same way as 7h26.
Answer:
9h59
